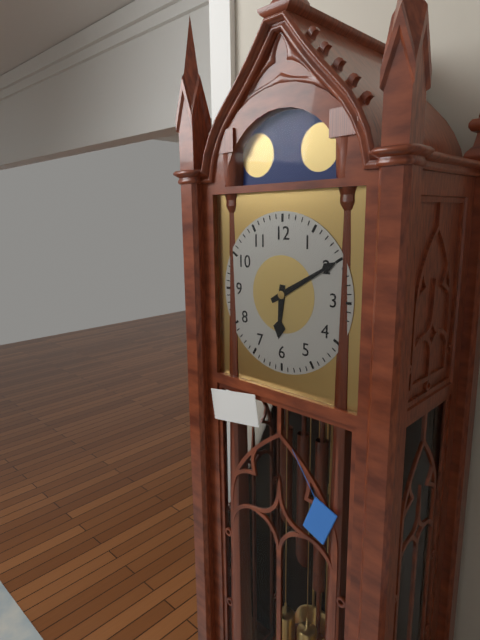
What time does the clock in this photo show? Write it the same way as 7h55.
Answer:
6h10
